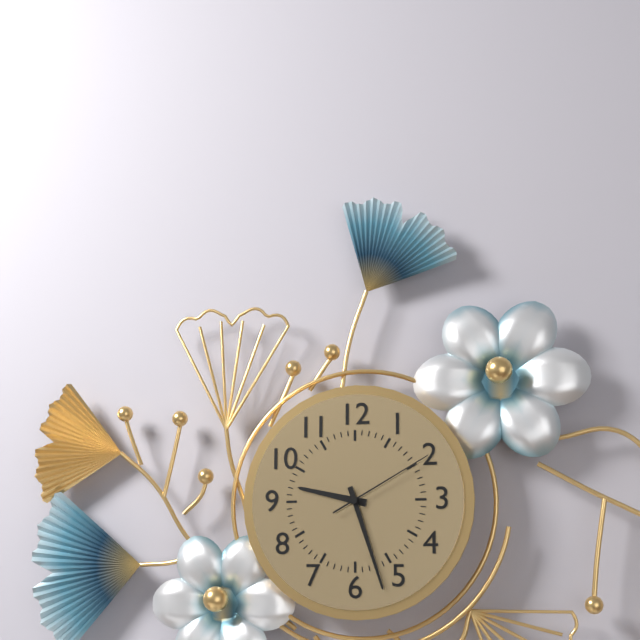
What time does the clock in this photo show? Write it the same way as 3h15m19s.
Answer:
9h27m10s
